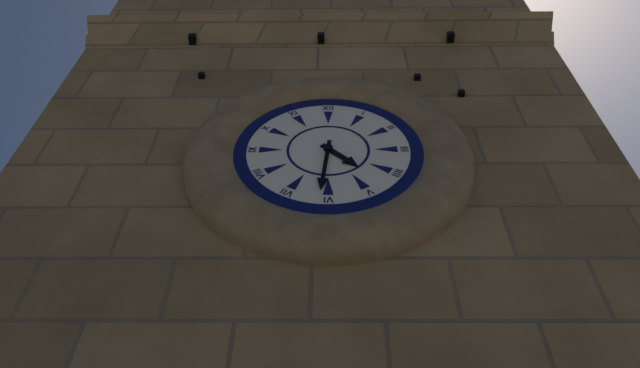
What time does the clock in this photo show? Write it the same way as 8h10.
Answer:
4h31
